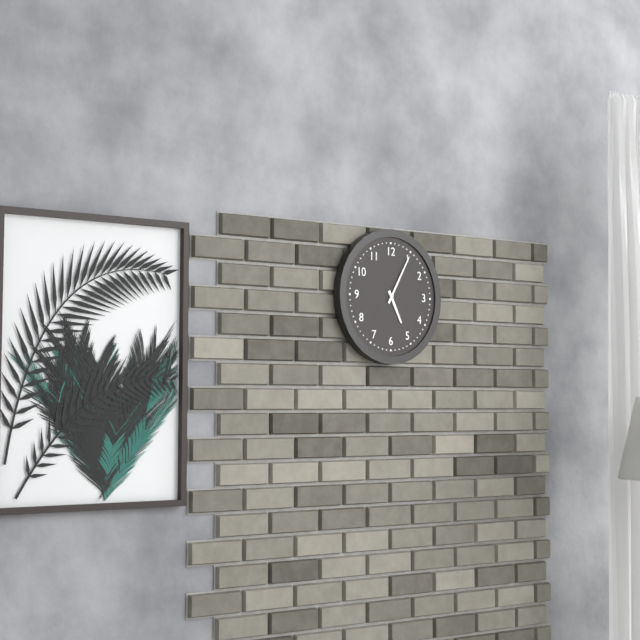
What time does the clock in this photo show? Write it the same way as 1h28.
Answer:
5h05
